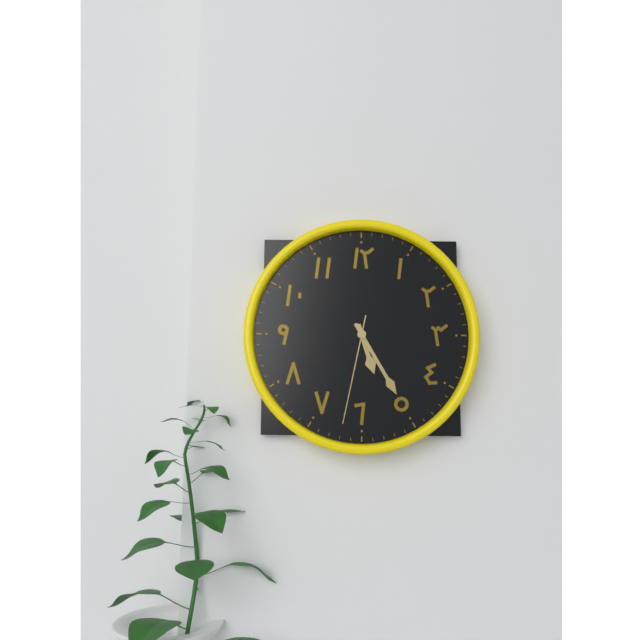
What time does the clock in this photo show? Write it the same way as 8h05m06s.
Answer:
5h25m32s
